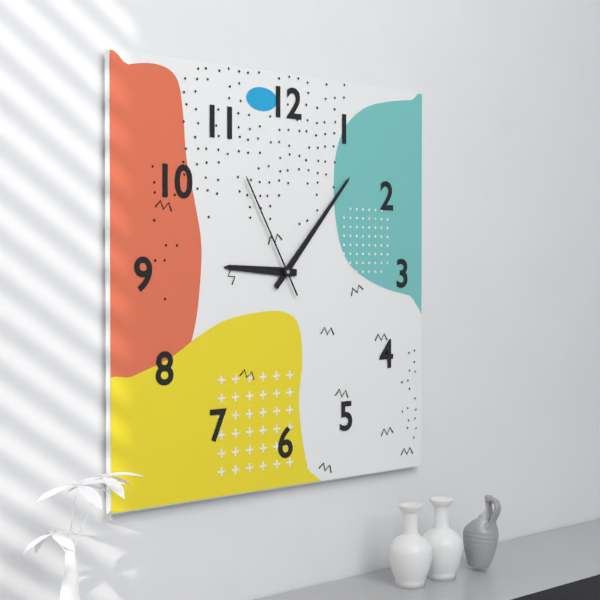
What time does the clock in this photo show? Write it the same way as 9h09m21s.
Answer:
9h07m55s
